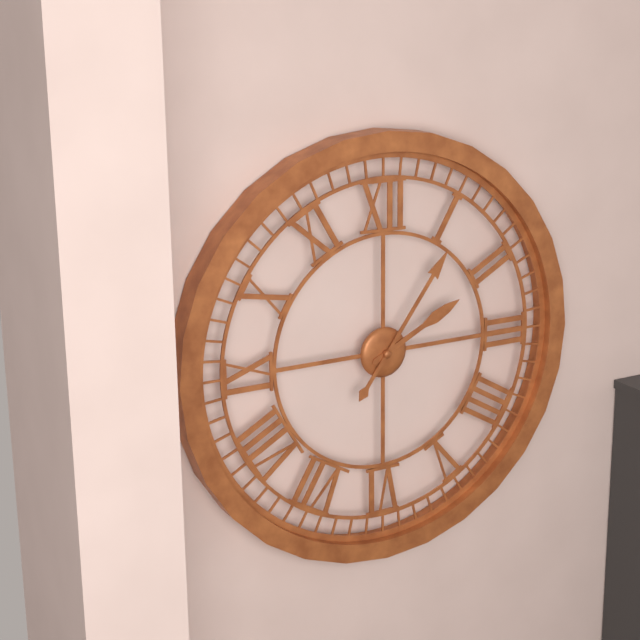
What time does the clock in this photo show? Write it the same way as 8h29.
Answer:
2h06
